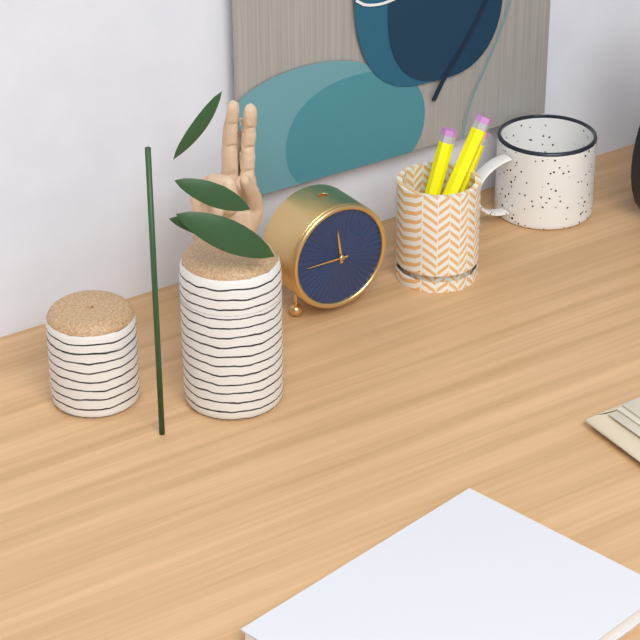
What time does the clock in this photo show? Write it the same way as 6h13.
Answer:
11h45
